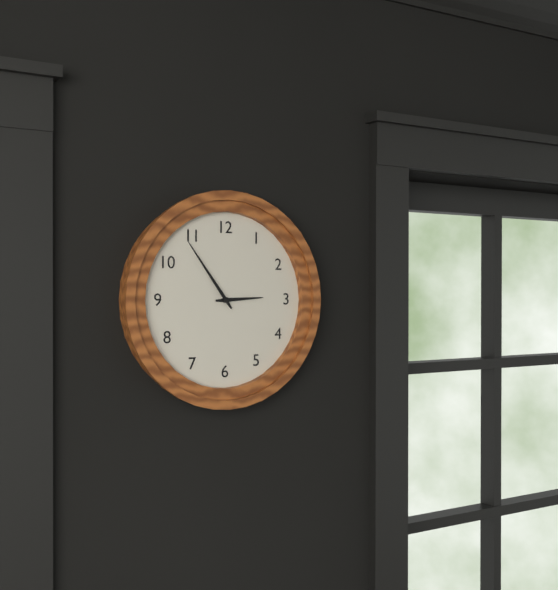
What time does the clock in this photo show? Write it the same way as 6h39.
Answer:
2h54
